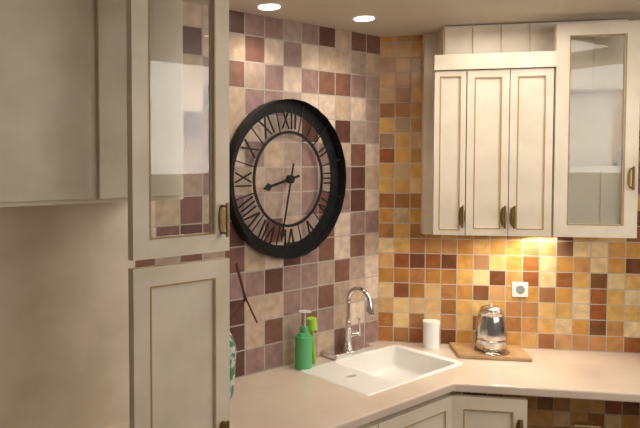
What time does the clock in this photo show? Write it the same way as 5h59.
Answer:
8h32
